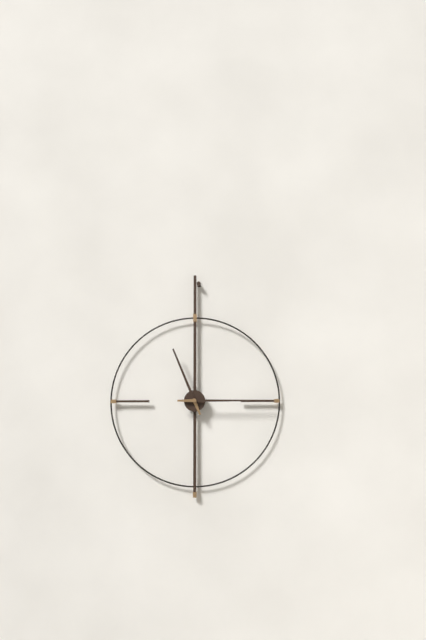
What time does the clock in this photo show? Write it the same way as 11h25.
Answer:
11h15
